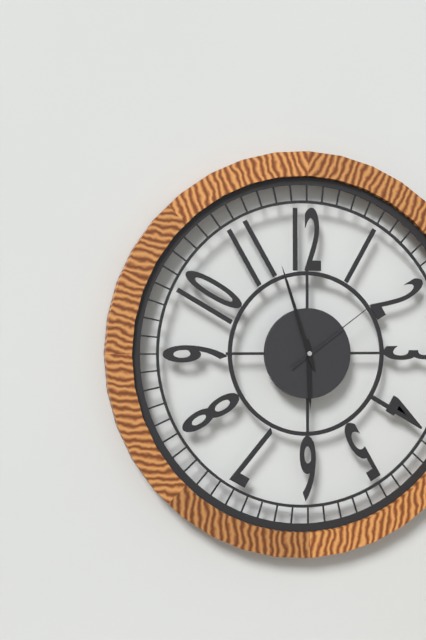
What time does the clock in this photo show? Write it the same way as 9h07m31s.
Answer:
5h57m09s
